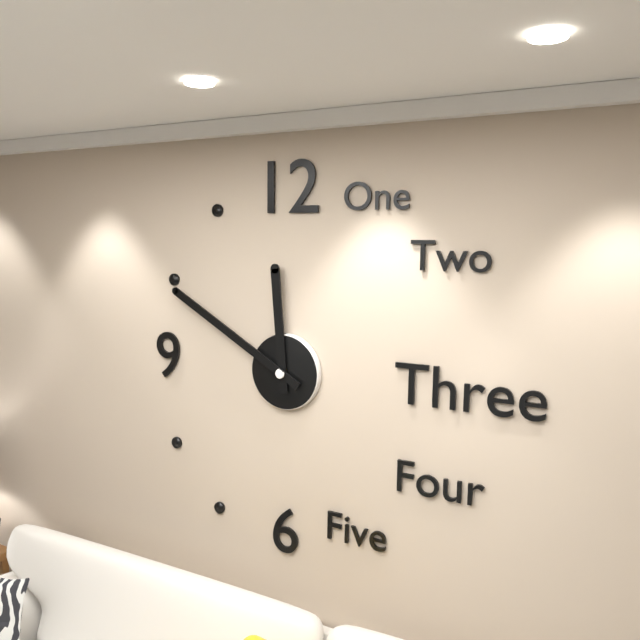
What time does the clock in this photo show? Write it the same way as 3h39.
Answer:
11h50
